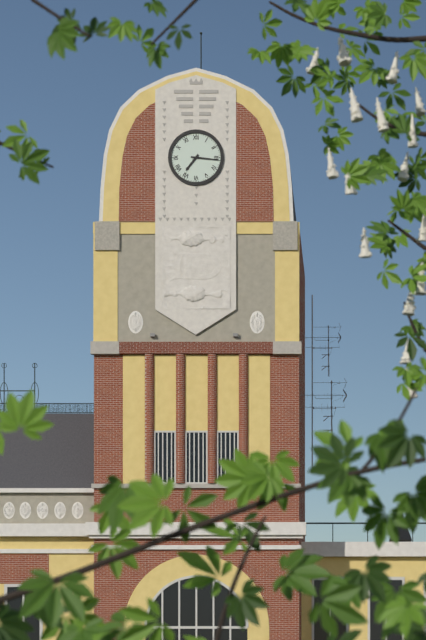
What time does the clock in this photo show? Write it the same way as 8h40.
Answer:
7h16
